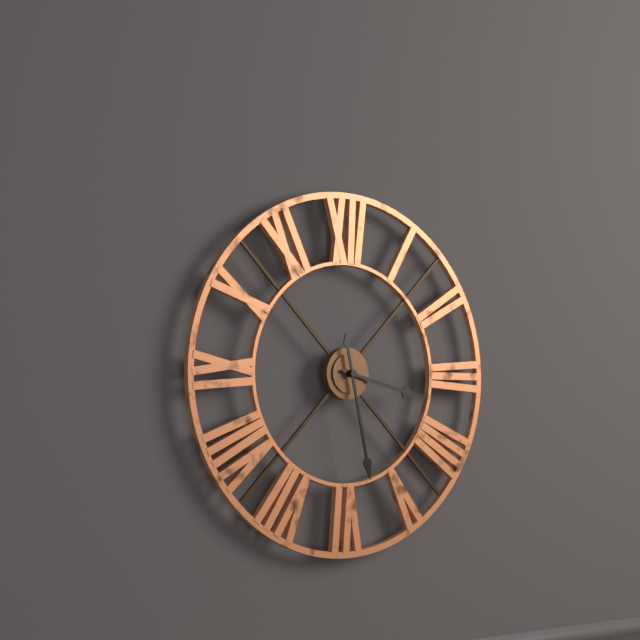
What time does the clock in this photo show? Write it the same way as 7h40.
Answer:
3h28
